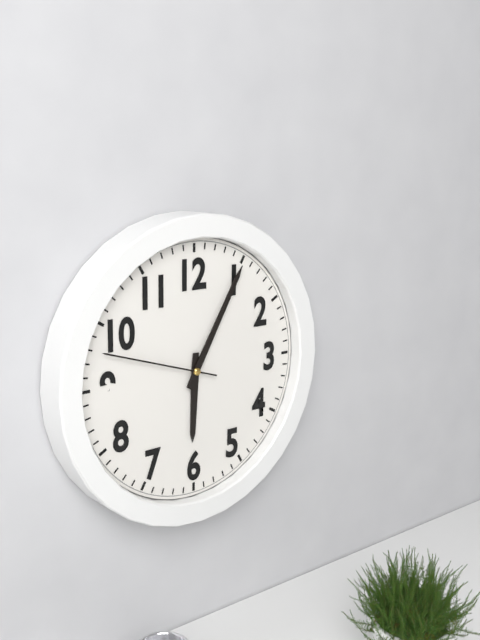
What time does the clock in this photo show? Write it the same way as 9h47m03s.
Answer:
6h05m48s
